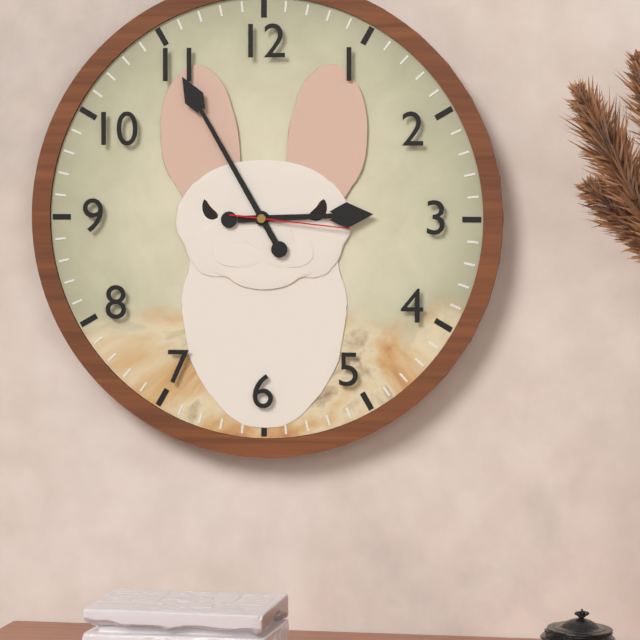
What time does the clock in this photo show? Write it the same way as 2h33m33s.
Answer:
2h55m16s
